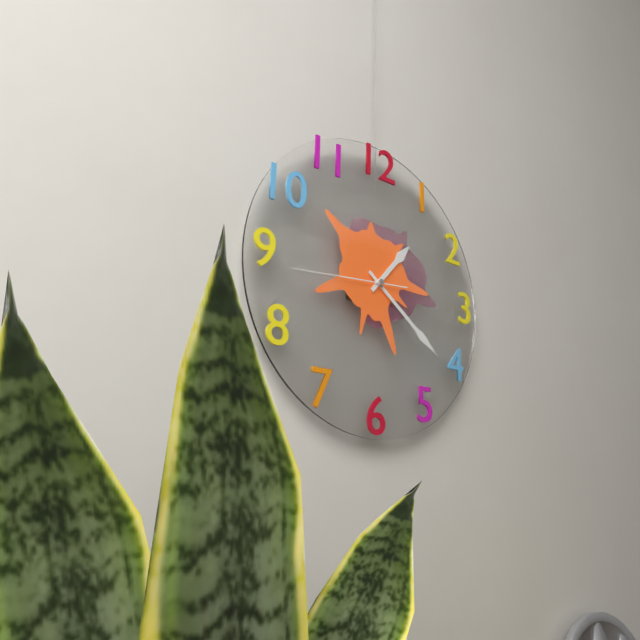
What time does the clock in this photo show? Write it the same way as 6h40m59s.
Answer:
1h21m44s
